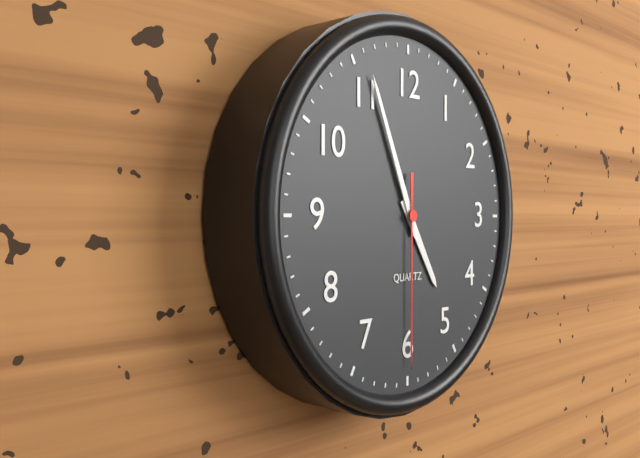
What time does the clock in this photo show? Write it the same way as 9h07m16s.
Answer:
4h56m30s
